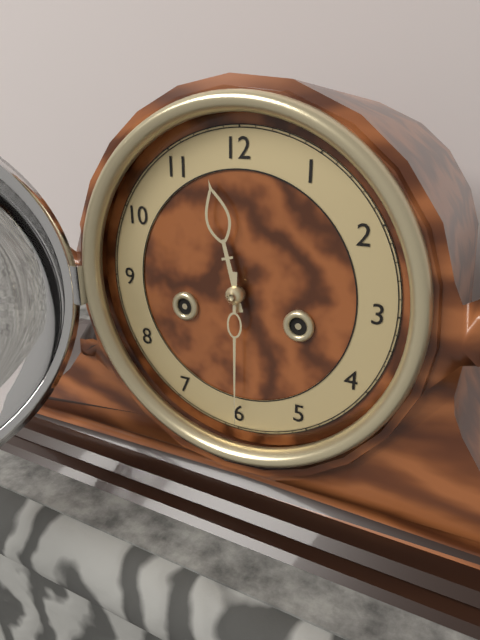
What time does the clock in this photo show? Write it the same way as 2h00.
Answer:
11h30
